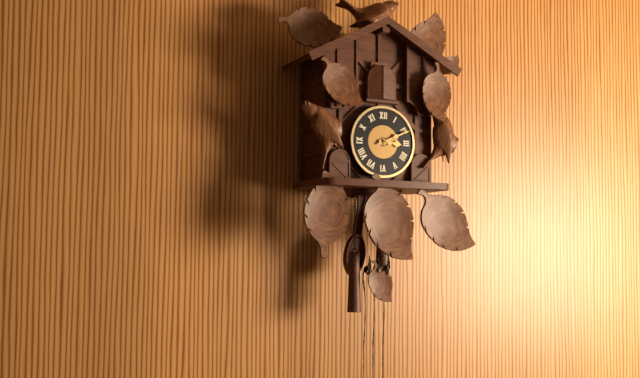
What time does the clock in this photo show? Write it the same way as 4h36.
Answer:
3h11
